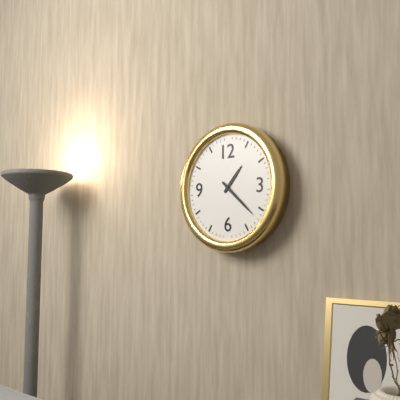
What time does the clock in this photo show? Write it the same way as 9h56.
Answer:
1h22
